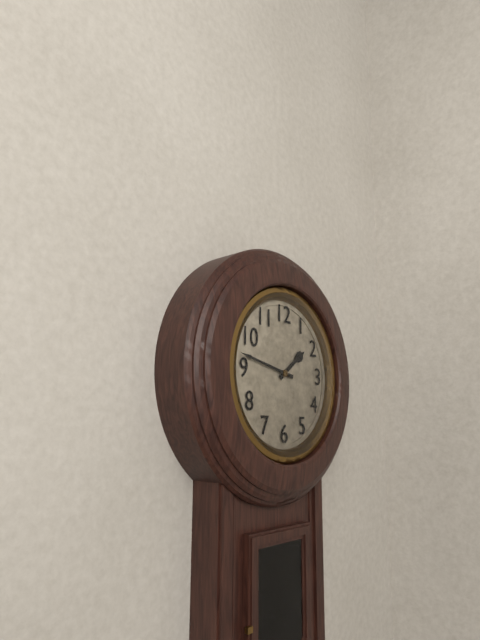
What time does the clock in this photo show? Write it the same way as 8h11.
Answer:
1h47
